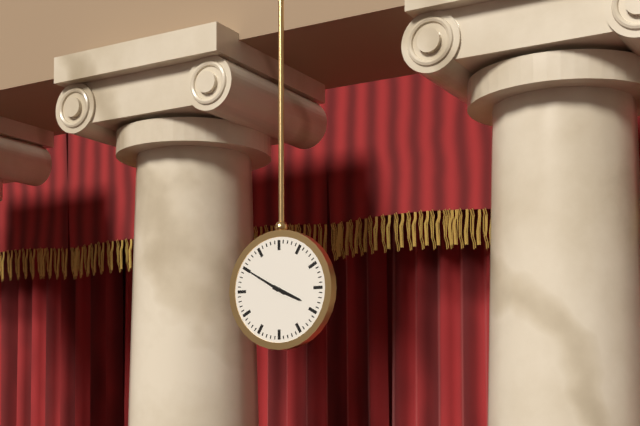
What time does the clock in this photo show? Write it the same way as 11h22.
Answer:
3h50
